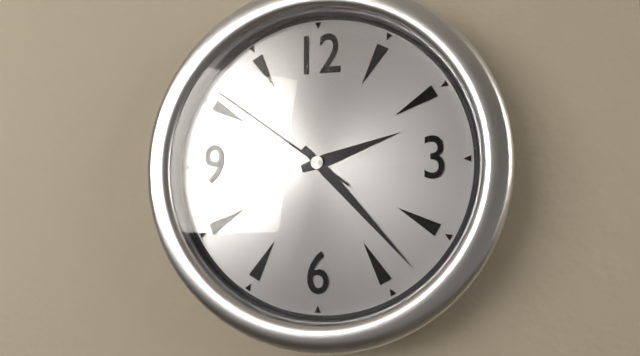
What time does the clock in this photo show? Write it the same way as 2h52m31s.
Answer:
2h23m51s
